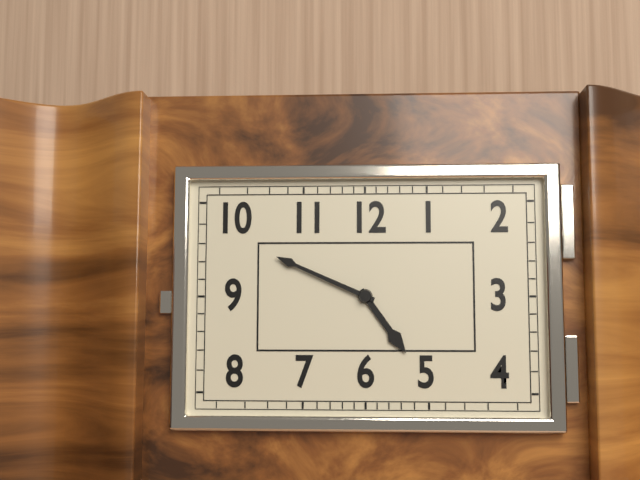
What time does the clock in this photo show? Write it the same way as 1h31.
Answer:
4h49
